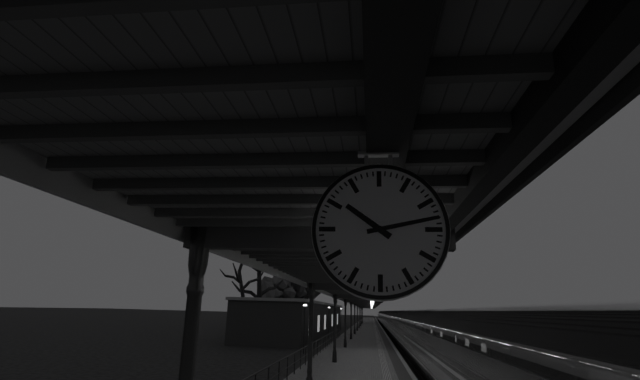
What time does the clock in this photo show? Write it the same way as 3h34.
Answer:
10h13
